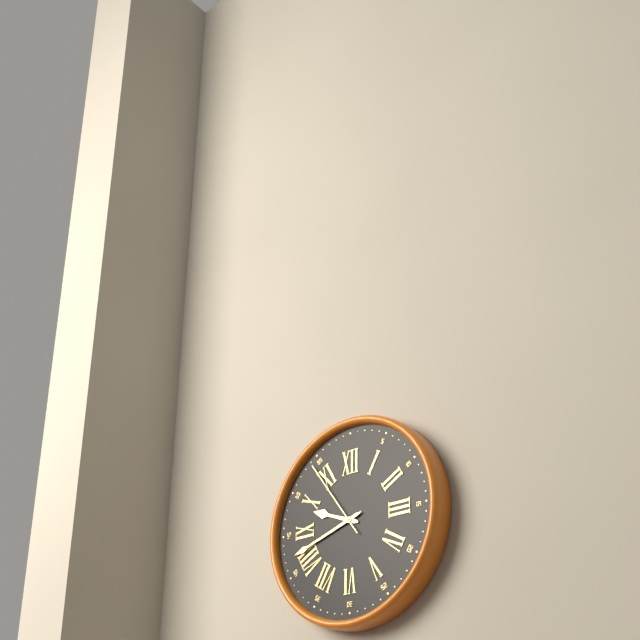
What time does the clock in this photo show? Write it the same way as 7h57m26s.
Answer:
9h42m54s
